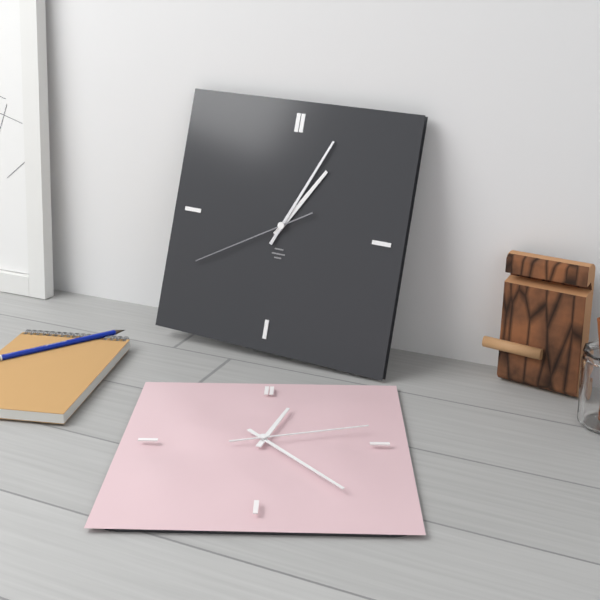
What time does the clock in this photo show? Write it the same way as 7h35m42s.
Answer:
1h04m40s
